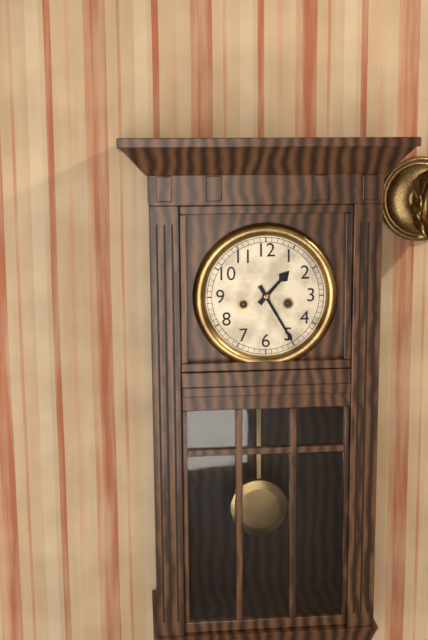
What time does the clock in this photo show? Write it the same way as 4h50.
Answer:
1h25
